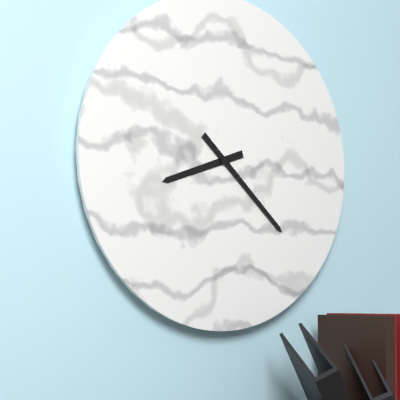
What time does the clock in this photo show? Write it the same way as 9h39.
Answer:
8h22
